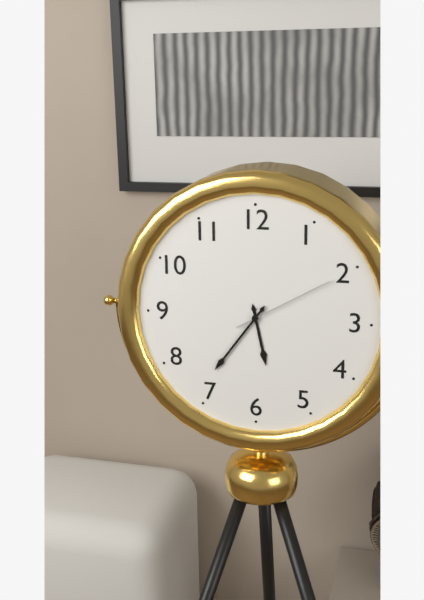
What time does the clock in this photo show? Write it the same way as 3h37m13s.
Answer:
5h36m10s
